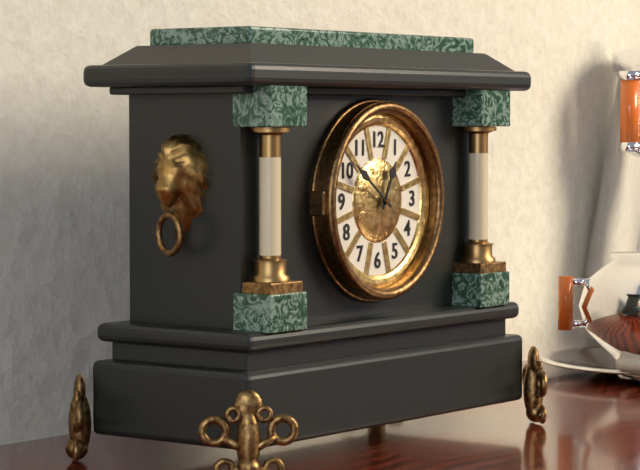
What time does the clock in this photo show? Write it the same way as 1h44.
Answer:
12h51
